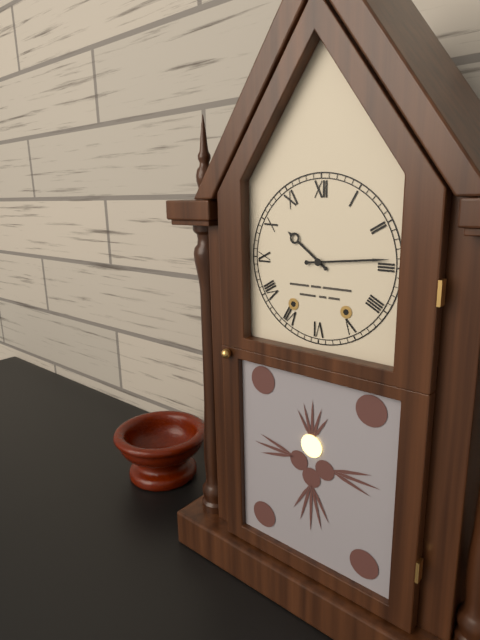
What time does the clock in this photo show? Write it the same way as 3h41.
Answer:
10h14
